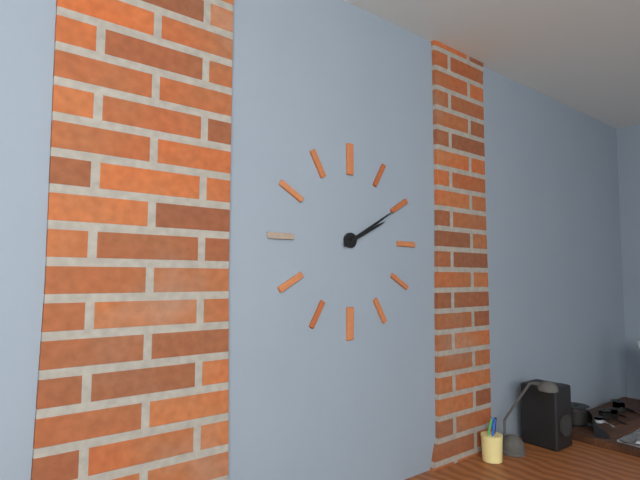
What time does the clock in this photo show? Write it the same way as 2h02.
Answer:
2h10
